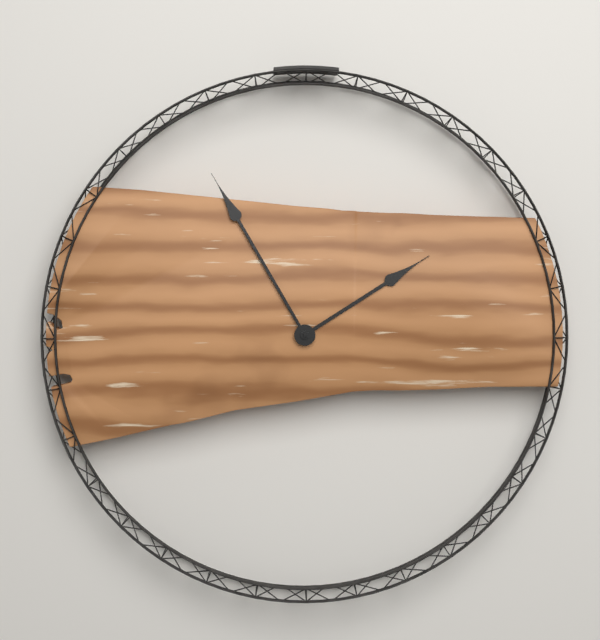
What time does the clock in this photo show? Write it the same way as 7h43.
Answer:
1h55
